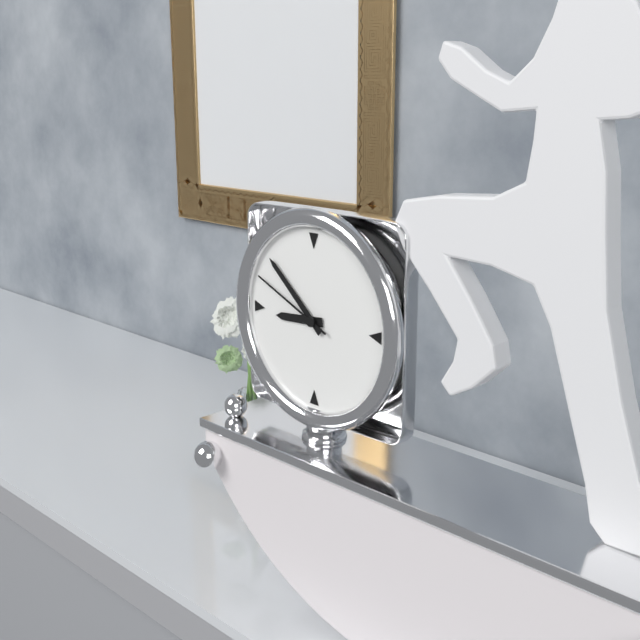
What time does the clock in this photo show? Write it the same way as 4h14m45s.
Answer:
8h52m49s
